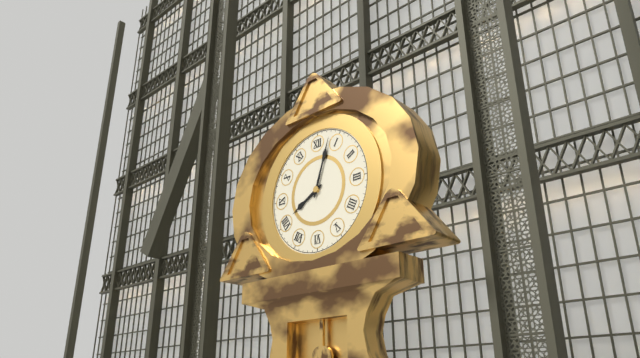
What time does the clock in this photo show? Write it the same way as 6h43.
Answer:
8h03
